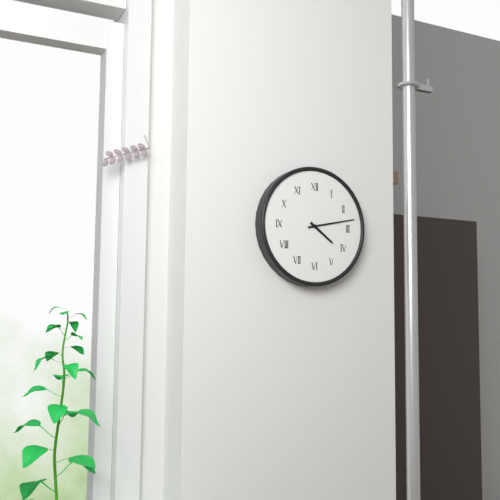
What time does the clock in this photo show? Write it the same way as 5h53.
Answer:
4h13
